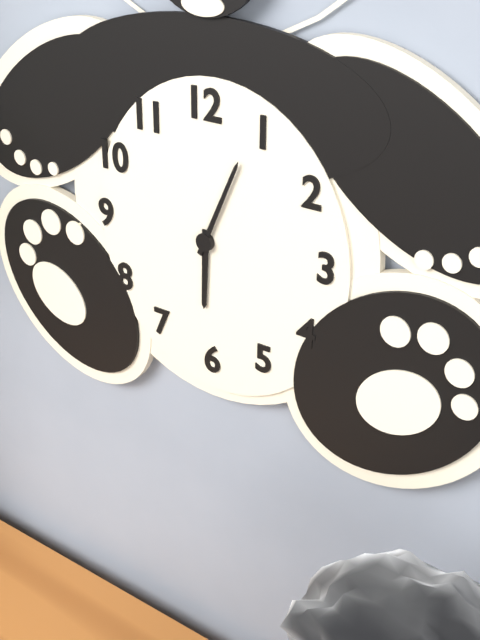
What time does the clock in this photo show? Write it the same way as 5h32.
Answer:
6h04
